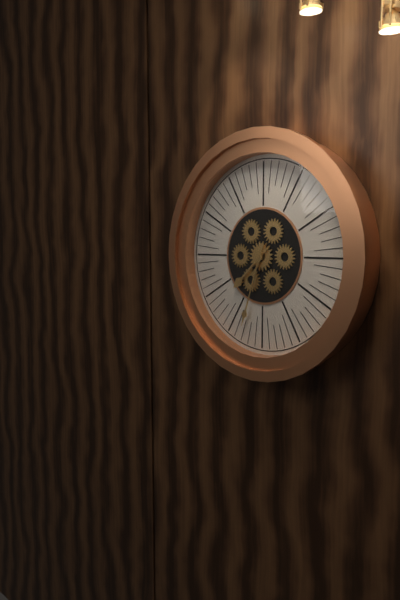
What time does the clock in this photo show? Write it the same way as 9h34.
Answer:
7h33
